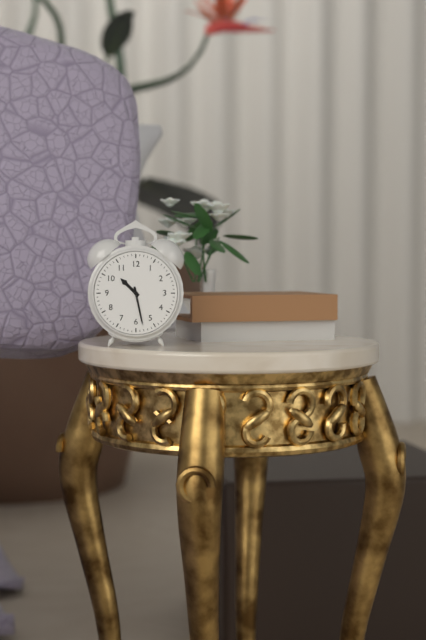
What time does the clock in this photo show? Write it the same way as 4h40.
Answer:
10h28
